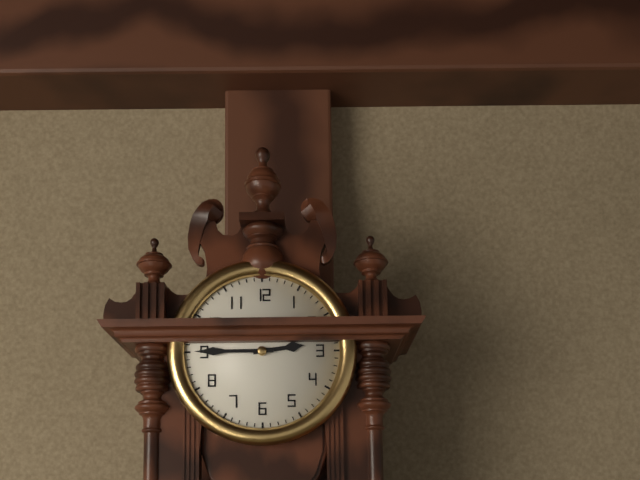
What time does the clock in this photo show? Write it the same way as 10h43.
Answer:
2h45
